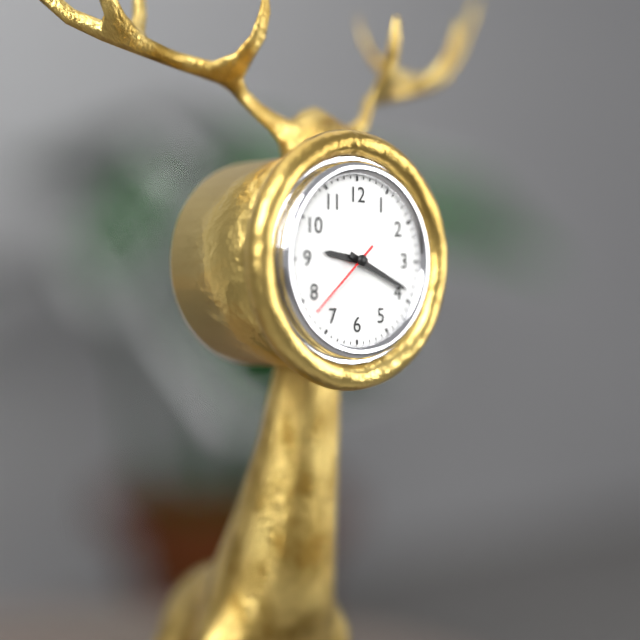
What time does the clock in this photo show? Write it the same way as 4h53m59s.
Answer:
9h19m38s
